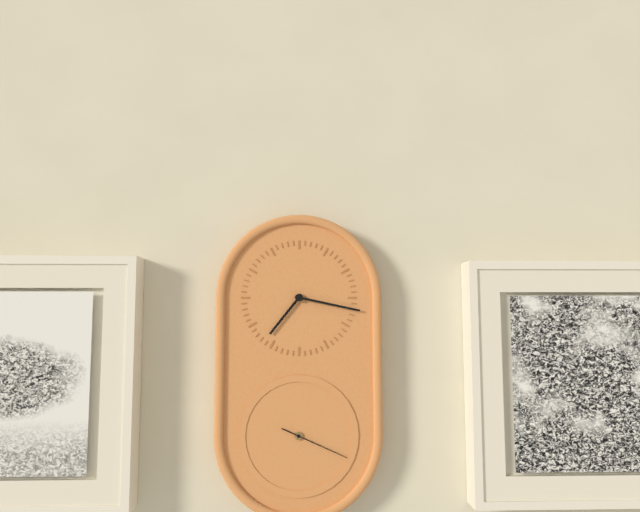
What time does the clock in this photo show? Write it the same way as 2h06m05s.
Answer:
7h17m19s
